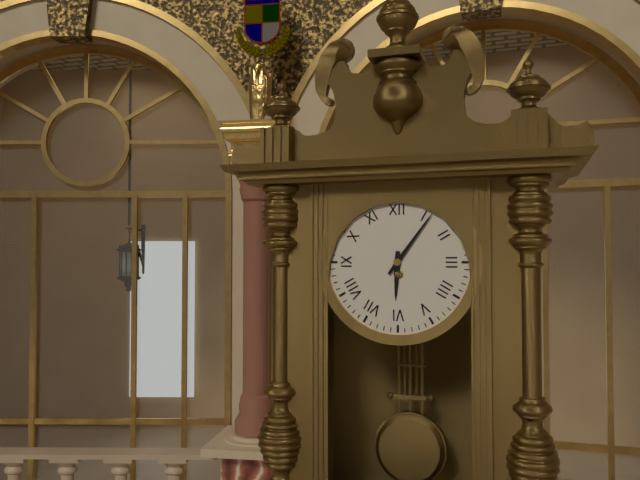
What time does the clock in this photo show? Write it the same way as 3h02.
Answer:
6h06
